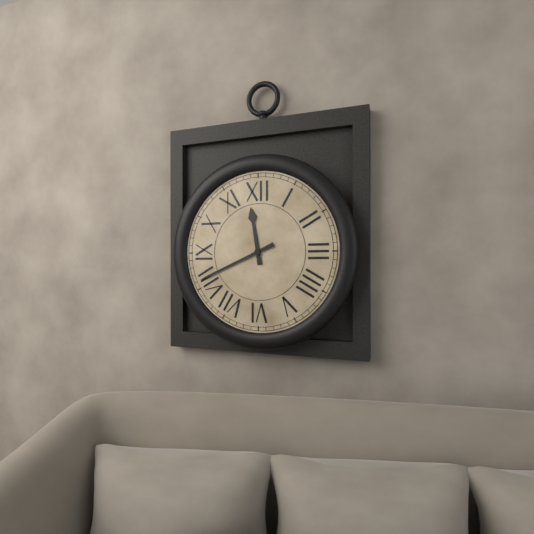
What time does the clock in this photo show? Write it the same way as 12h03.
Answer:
11h41
